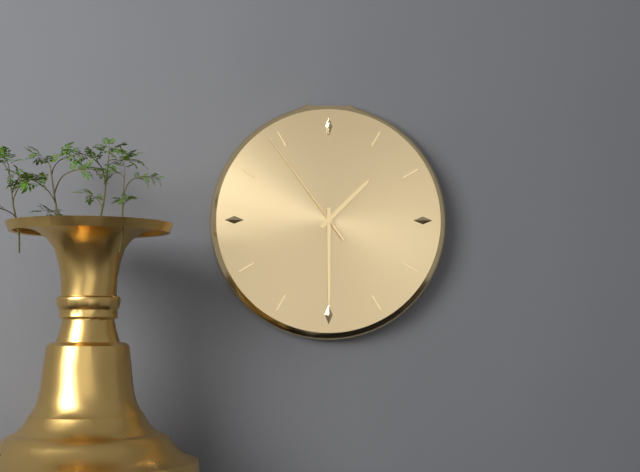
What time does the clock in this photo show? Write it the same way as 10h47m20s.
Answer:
1h30m54s
